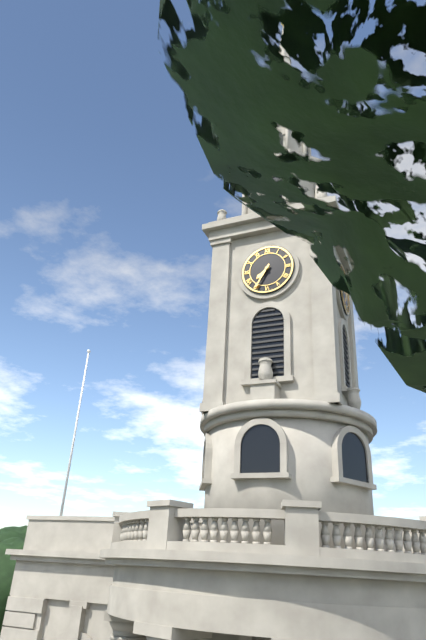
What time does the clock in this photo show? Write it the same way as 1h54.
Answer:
7h35
